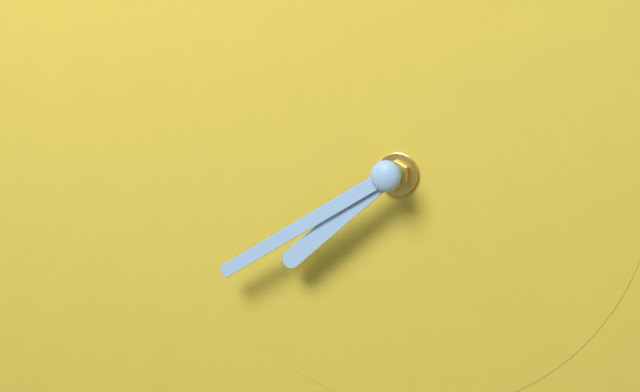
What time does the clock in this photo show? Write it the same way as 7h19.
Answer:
7h40
